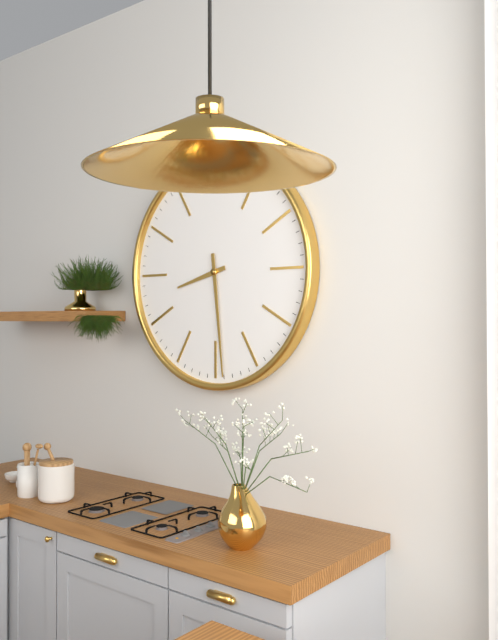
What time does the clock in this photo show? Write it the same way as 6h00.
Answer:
8h29
